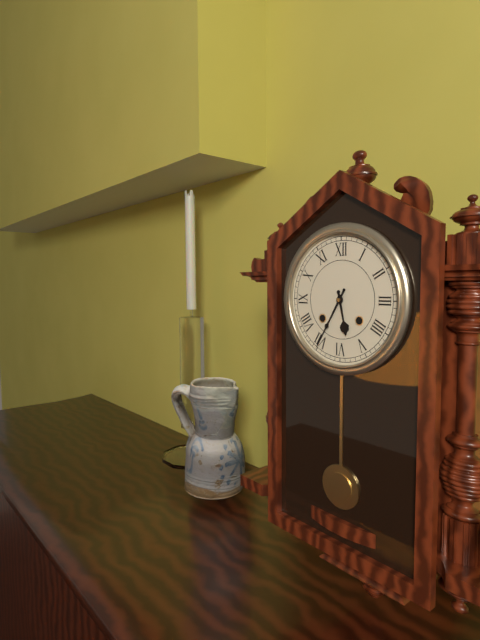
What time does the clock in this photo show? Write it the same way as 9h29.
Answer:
5h35
